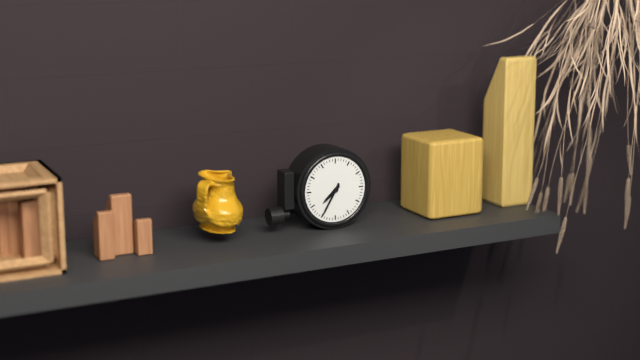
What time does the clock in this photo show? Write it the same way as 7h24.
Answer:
7h35
